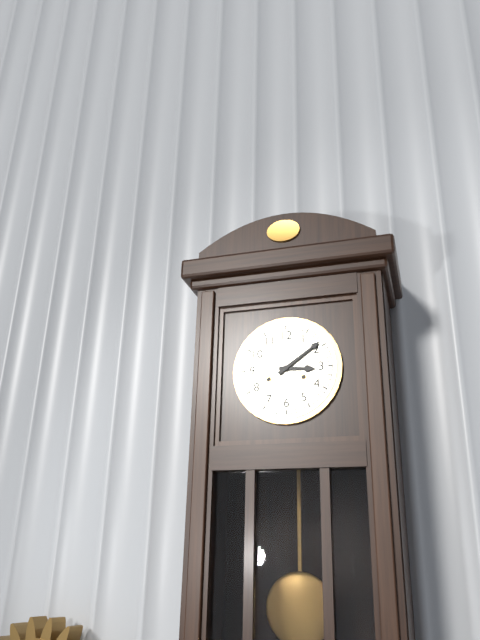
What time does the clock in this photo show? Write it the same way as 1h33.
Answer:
3h09
